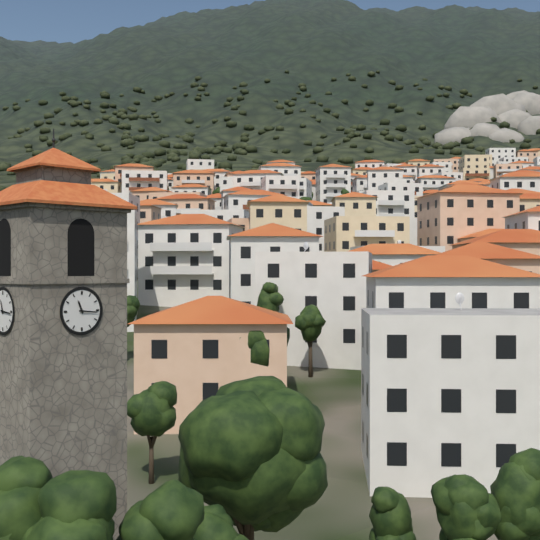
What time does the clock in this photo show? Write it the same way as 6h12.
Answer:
11h16
